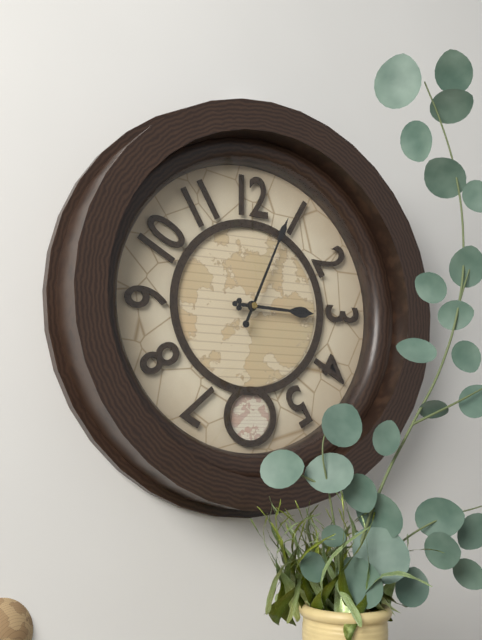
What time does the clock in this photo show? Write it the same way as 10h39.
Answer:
3h04
